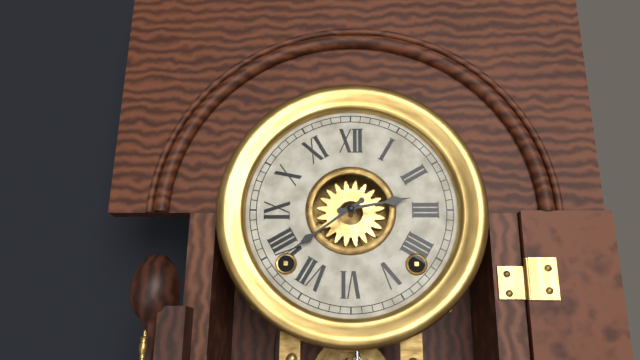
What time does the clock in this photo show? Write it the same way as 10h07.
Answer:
2h39
